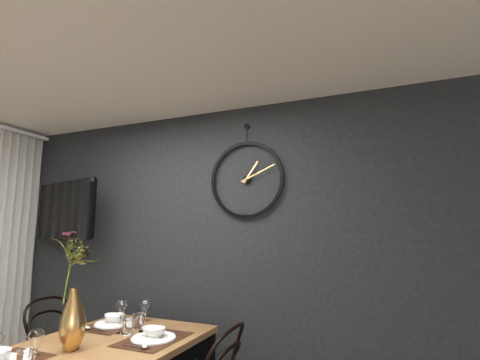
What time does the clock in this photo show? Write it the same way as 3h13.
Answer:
1h11
